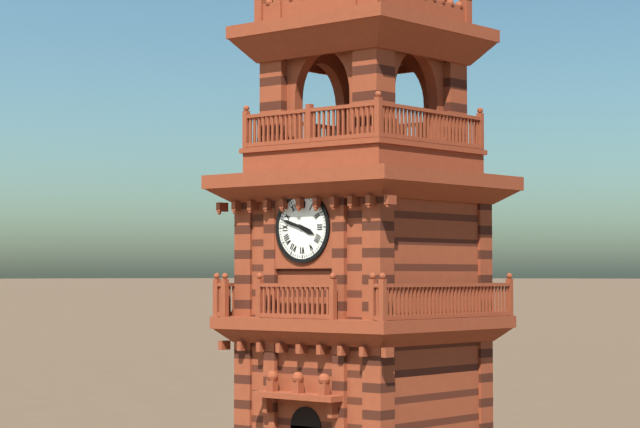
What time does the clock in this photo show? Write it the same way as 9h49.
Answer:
3h48
